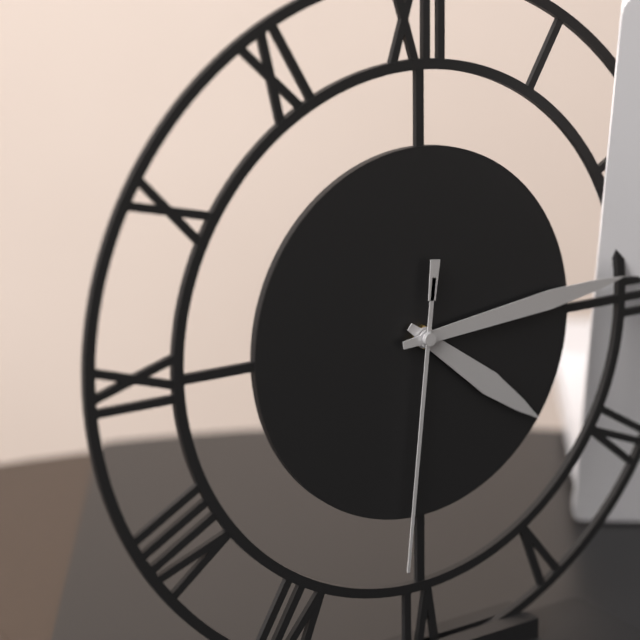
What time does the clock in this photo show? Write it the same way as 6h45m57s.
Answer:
4h14m31s
